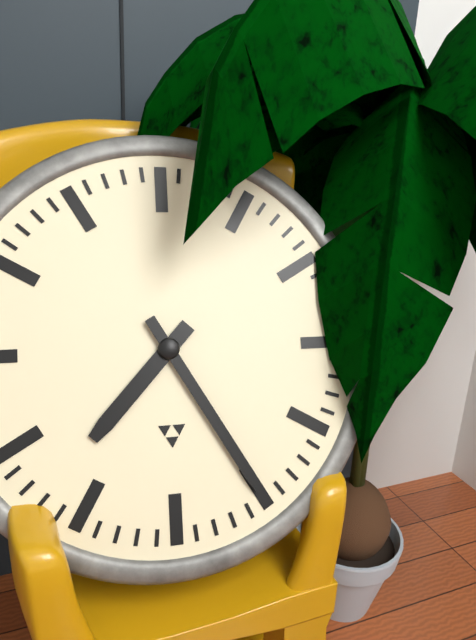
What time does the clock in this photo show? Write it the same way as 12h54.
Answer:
7h25
